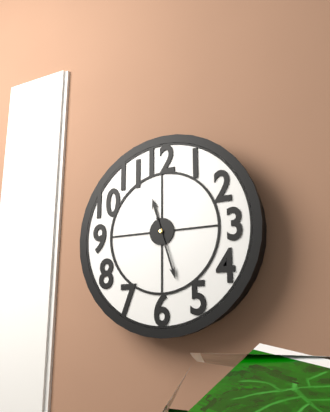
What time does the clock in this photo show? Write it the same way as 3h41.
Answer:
11h27
